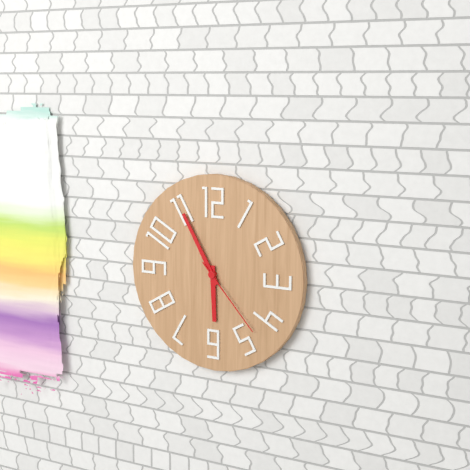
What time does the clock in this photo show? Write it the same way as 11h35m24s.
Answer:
5h55m23s
